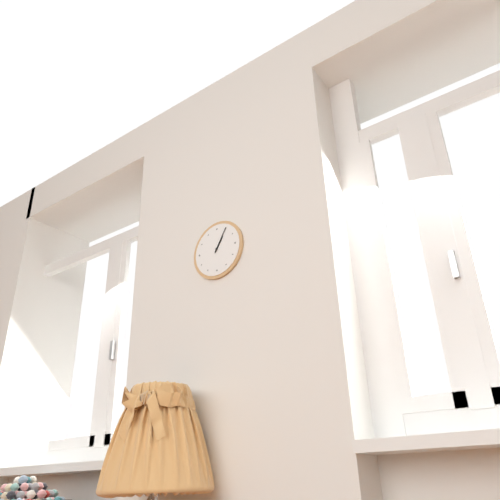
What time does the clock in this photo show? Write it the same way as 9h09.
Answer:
1h05
